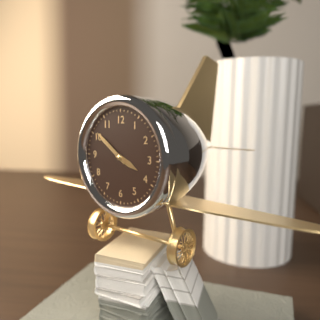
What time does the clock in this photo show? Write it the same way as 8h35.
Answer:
3h51
